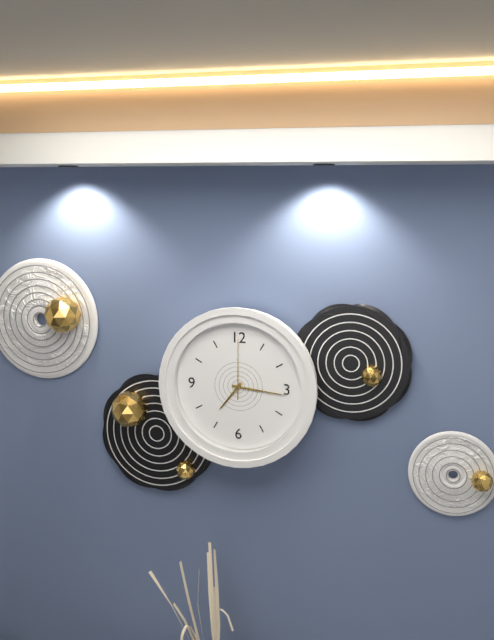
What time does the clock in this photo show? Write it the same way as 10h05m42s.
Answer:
7h16m00s
